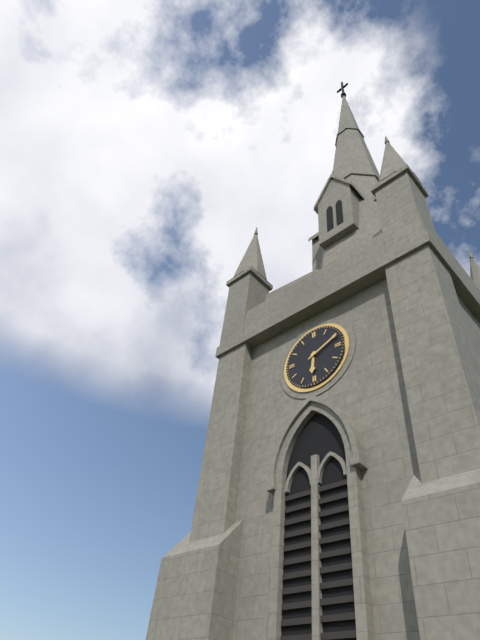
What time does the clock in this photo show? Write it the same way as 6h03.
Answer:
6h11
